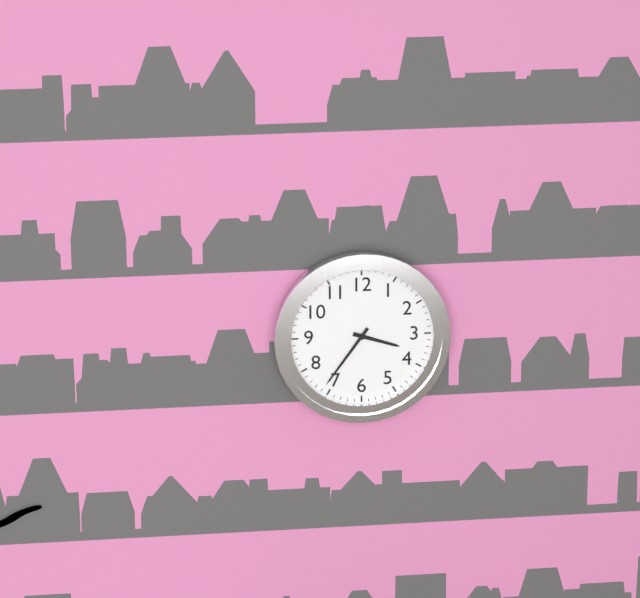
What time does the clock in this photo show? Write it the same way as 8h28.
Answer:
3h36
